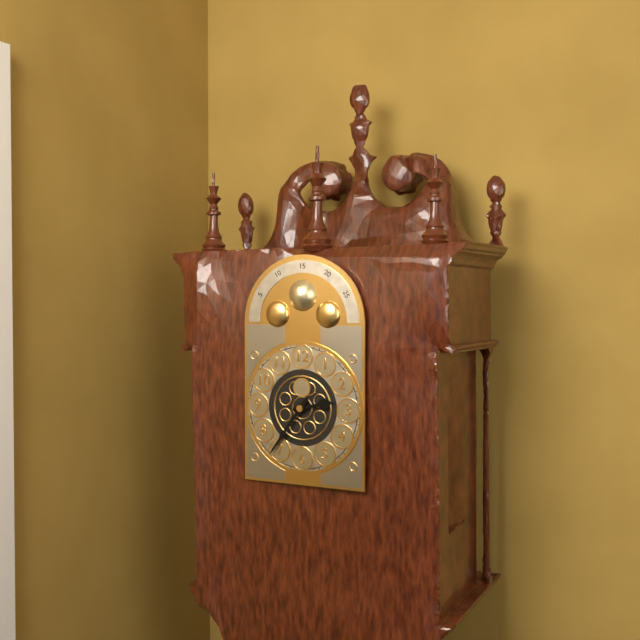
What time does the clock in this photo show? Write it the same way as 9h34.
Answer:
2h36
